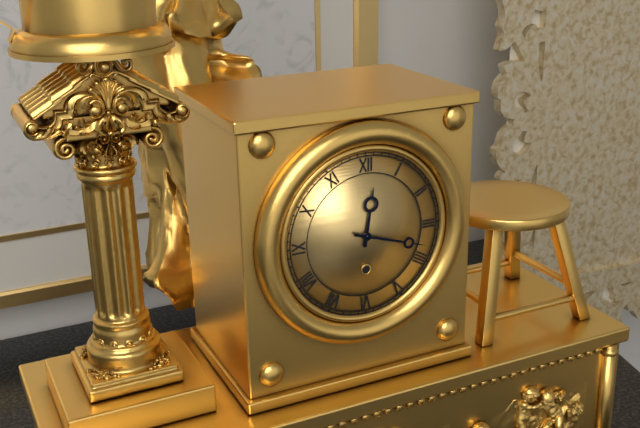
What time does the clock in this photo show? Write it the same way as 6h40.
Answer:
12h18
